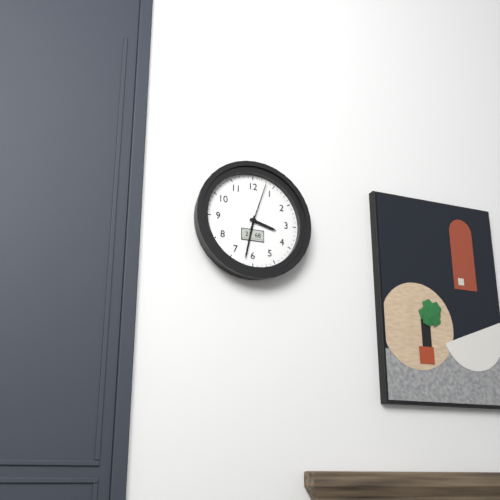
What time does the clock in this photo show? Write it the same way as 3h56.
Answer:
3h32
